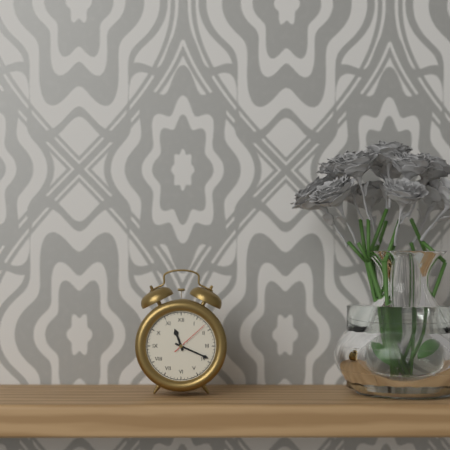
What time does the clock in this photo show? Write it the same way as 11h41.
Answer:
11h19
